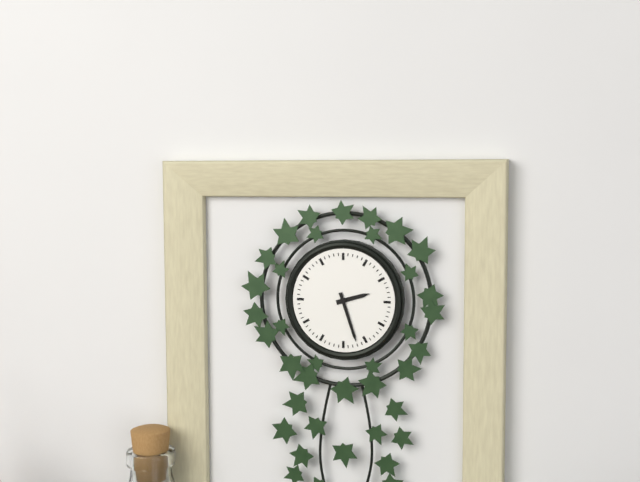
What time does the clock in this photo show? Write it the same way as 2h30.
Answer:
2h27
